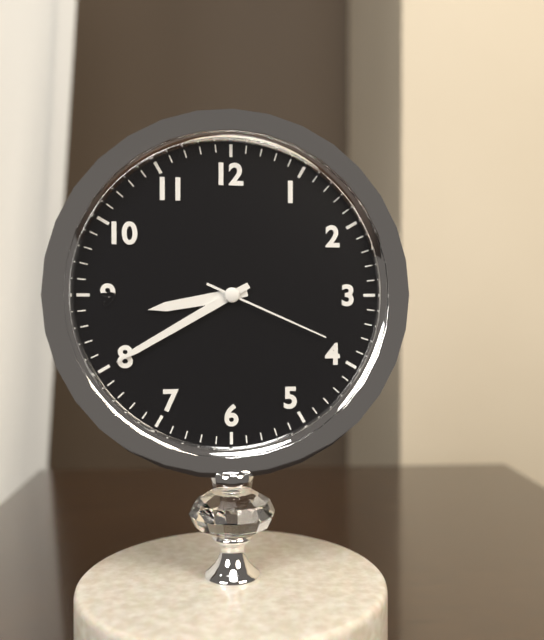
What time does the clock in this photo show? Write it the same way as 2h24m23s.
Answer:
8h40m19s
